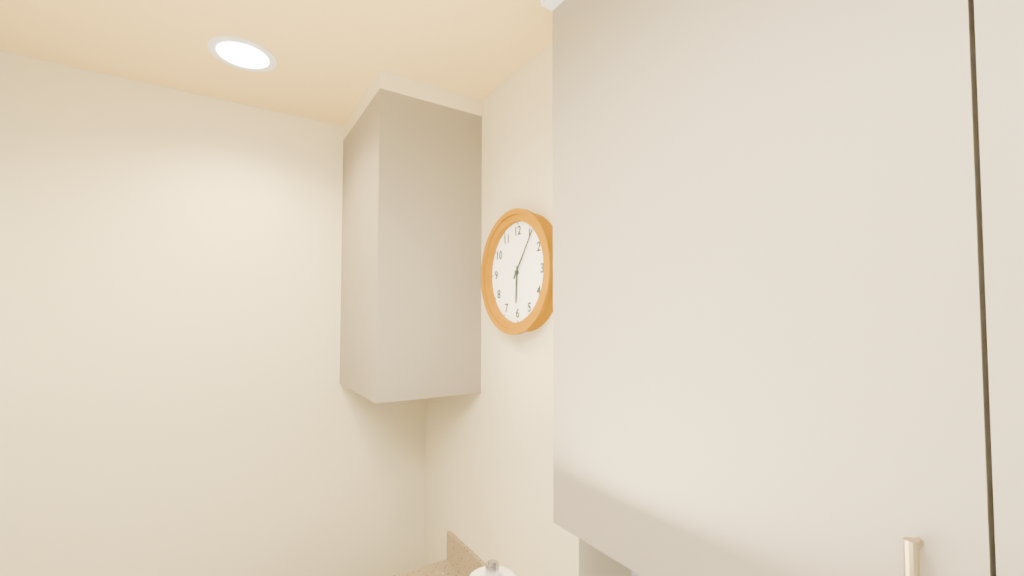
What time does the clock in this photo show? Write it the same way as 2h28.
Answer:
6h06
